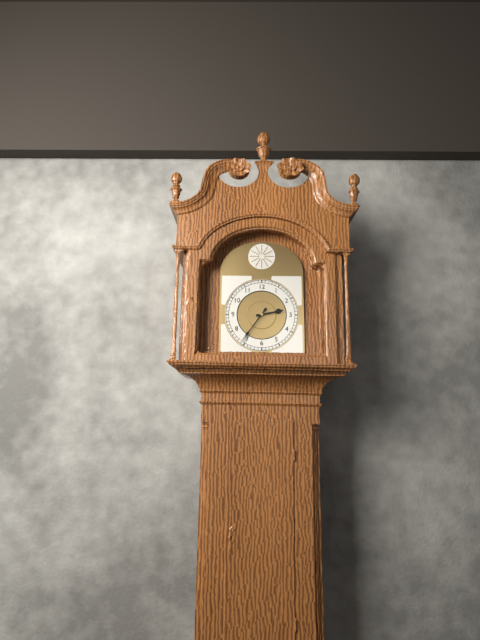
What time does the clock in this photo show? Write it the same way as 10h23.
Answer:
2h36
